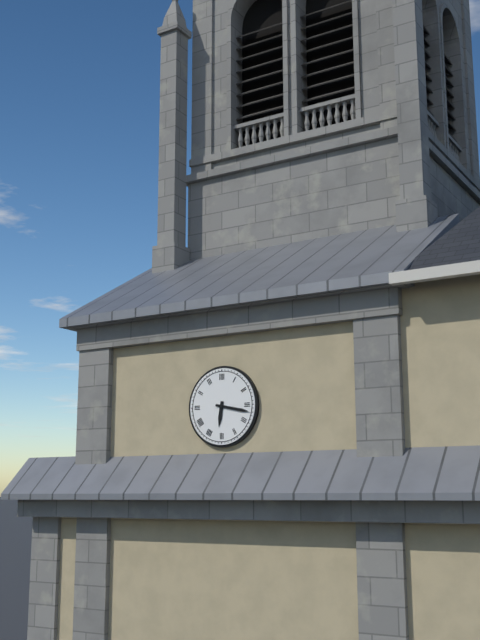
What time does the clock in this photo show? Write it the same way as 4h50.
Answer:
6h17
